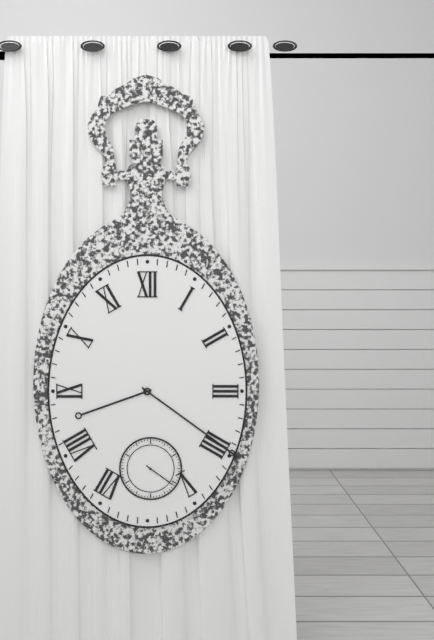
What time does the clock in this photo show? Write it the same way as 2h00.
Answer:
8h21
